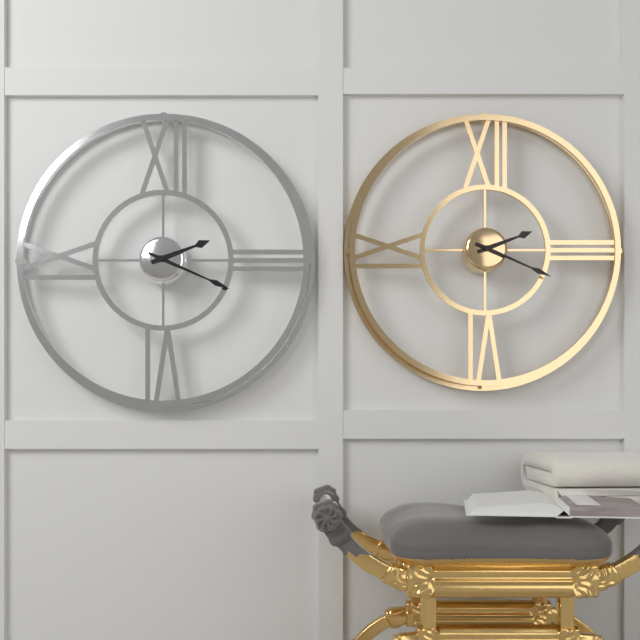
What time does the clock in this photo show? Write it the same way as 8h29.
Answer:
2h19
